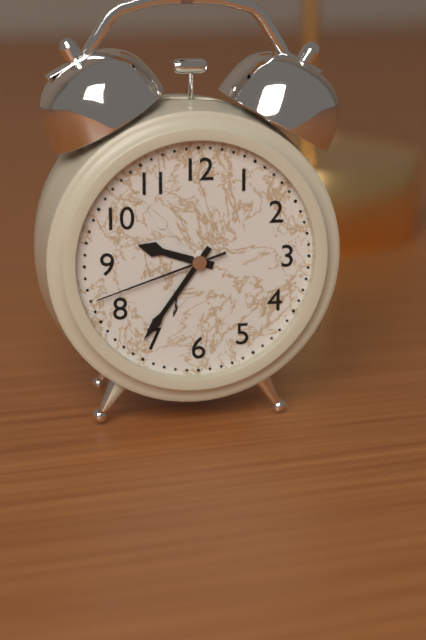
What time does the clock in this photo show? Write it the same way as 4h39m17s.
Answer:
9h36m42s
